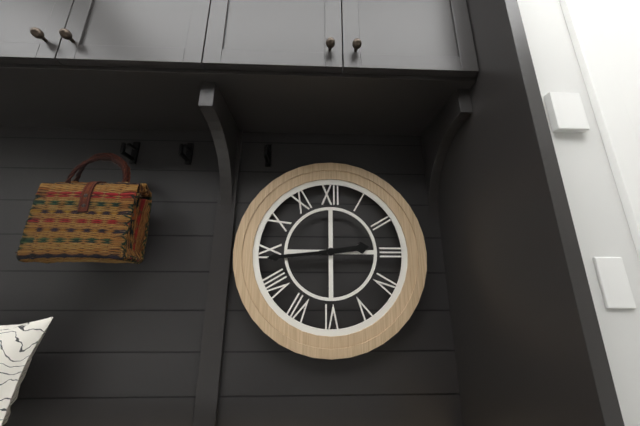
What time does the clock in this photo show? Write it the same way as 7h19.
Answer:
2h44
